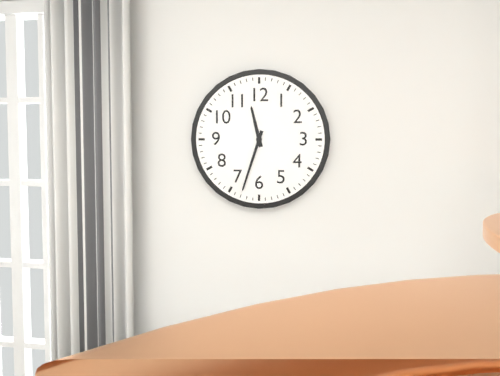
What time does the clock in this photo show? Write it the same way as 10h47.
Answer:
11h33
